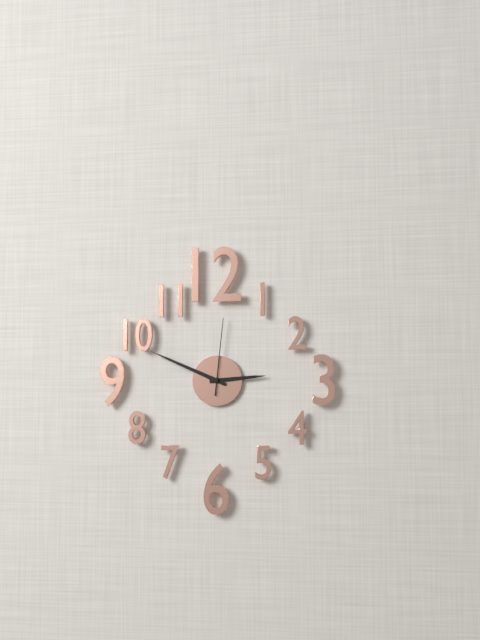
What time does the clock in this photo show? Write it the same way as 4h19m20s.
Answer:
2h49m01s
